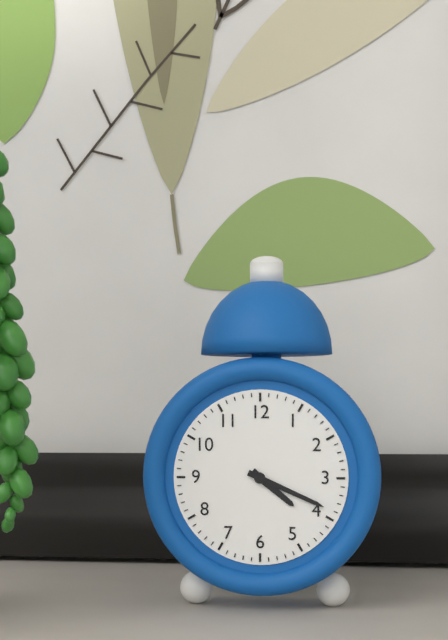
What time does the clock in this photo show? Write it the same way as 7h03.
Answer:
4h19
